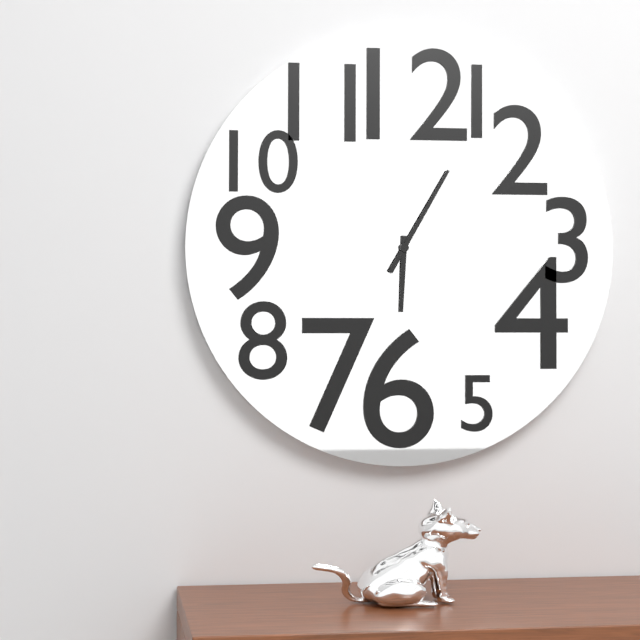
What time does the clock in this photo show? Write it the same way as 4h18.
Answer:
6h05
